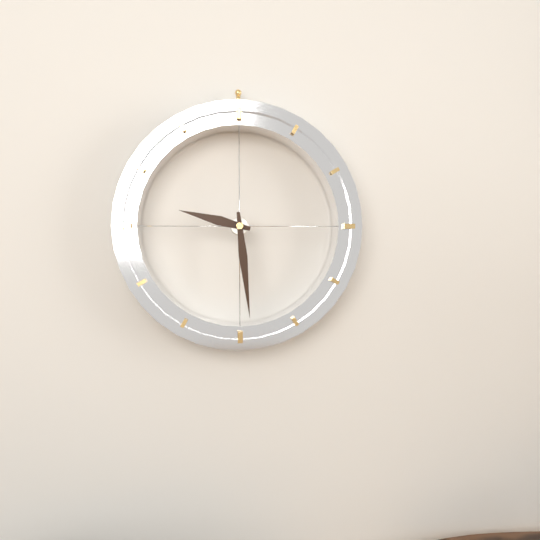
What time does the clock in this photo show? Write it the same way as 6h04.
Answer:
9h29
